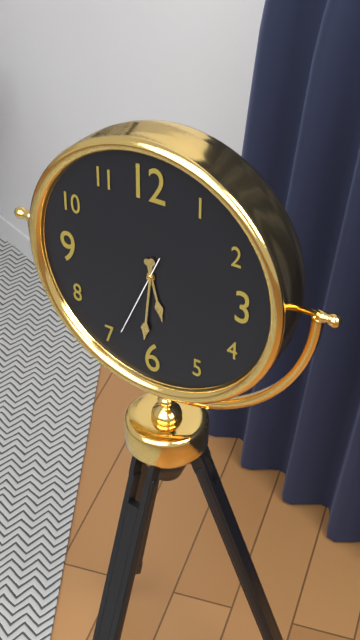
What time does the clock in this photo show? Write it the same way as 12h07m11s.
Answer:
5h31m34s
